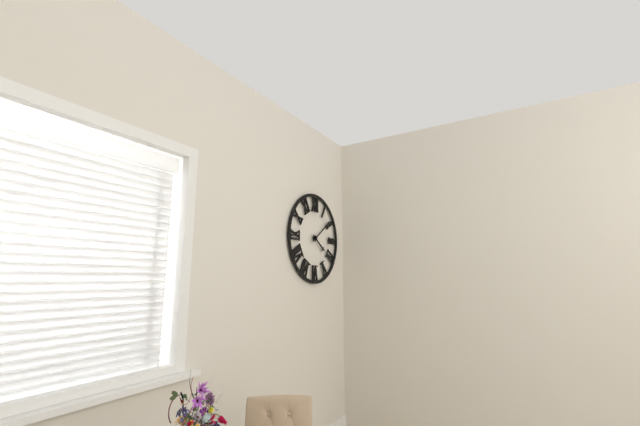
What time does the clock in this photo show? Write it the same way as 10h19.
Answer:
4h09
